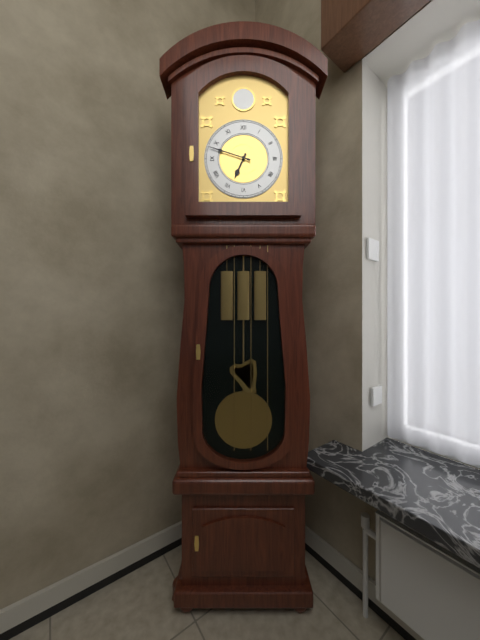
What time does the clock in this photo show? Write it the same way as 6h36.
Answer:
6h48
